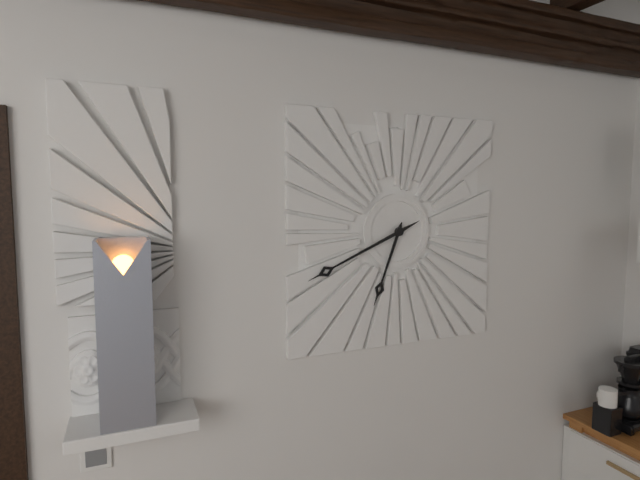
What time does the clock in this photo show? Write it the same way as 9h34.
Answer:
6h41
